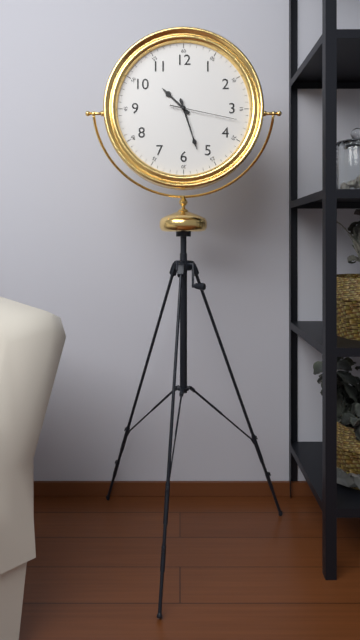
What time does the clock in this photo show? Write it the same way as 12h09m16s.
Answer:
10h27m17s
